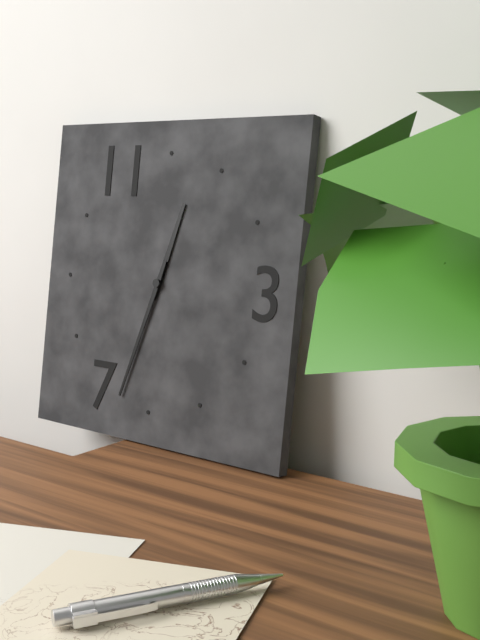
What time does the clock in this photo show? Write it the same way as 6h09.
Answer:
12h33
